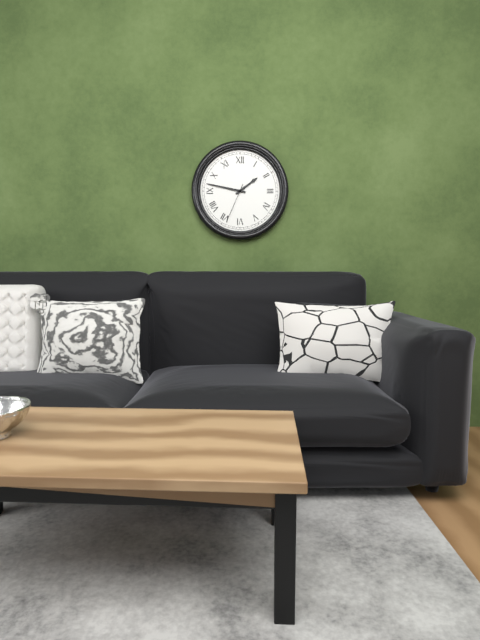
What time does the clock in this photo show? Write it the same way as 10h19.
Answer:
1h47
